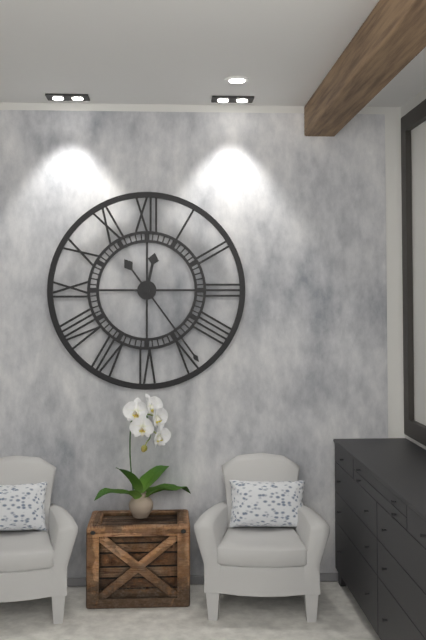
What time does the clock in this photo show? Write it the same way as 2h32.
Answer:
12h24
